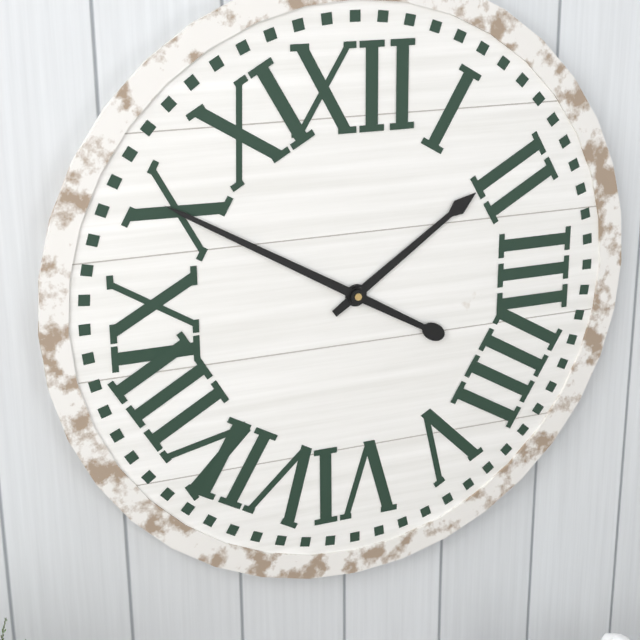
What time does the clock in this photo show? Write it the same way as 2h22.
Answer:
1h50
